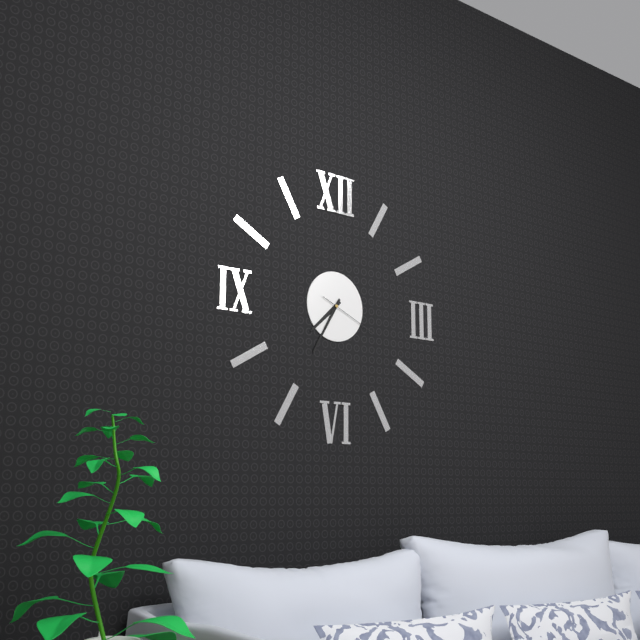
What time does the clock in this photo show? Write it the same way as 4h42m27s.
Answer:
7h35m19s
